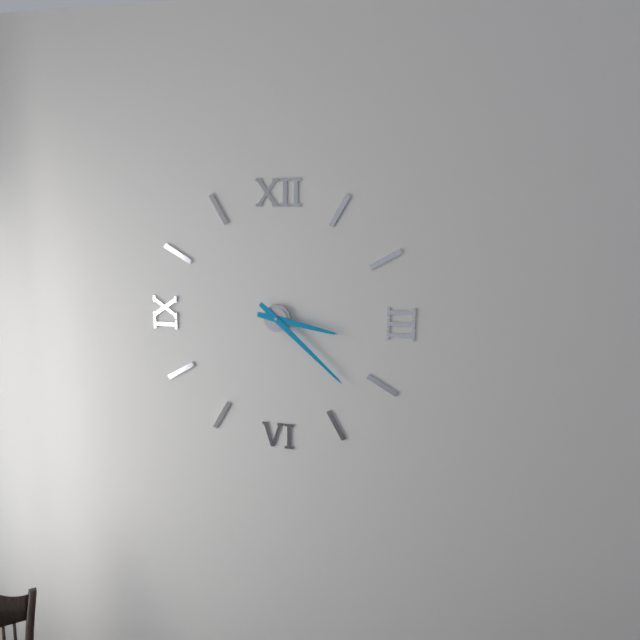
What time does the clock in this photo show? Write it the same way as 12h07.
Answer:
3h22
